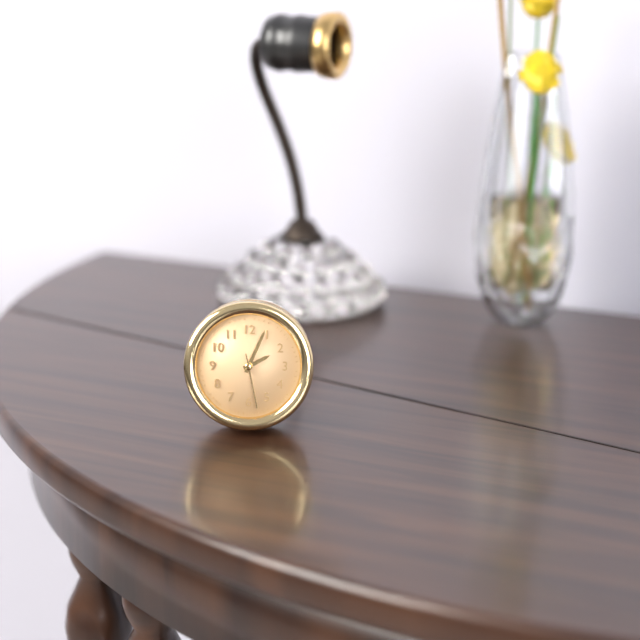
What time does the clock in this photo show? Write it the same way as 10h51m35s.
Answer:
2h04m28s
